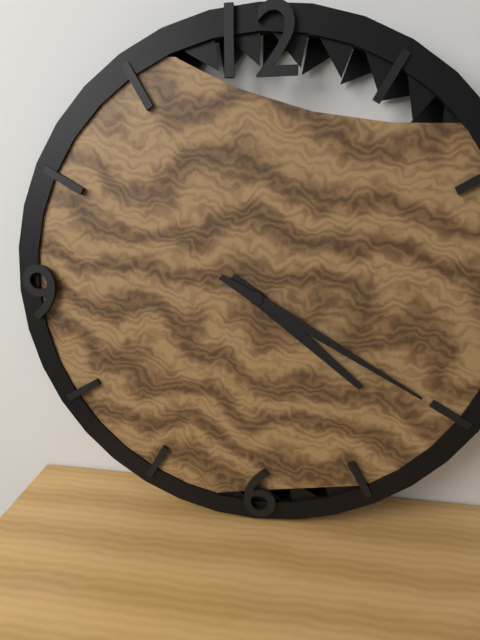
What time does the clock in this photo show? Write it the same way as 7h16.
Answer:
4h20
